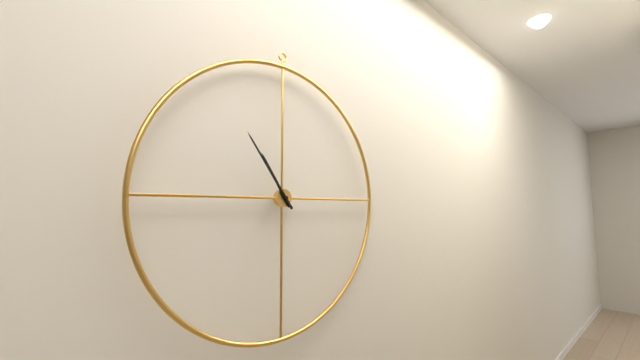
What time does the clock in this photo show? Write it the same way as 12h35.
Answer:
10h54
